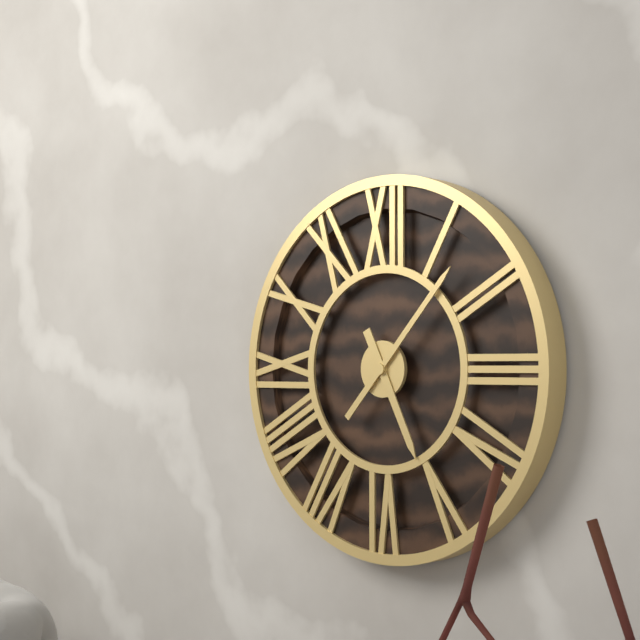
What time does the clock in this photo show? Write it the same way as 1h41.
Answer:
5h07
